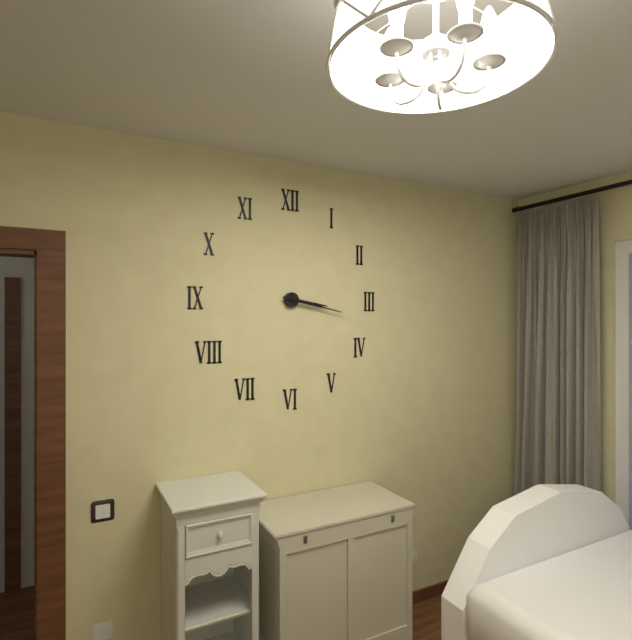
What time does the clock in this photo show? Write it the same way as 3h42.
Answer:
3h17
